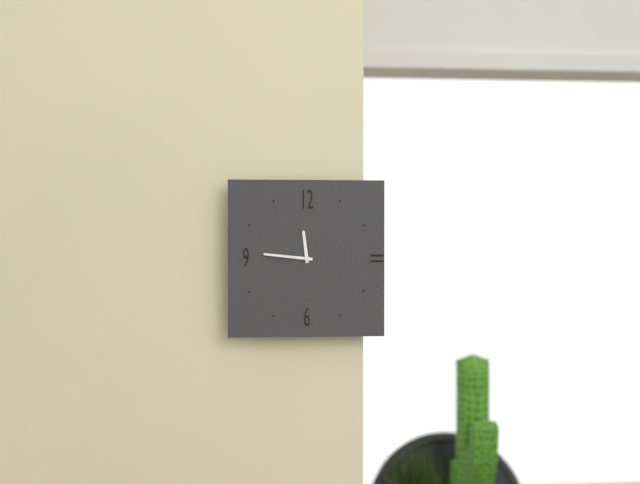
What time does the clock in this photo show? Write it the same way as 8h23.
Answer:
11h46
